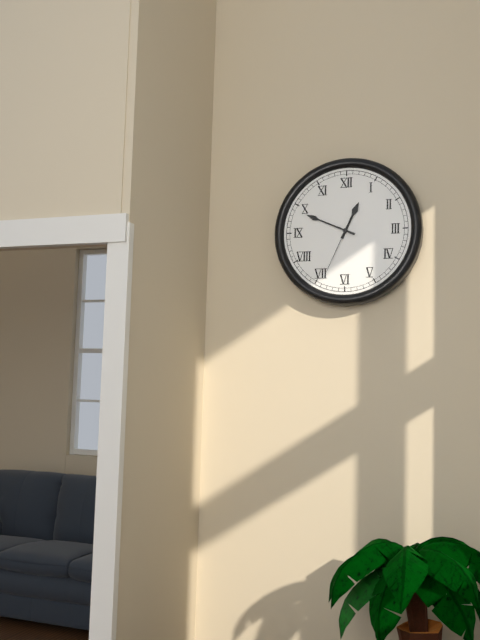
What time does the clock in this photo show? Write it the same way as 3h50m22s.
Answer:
12h49m34s
